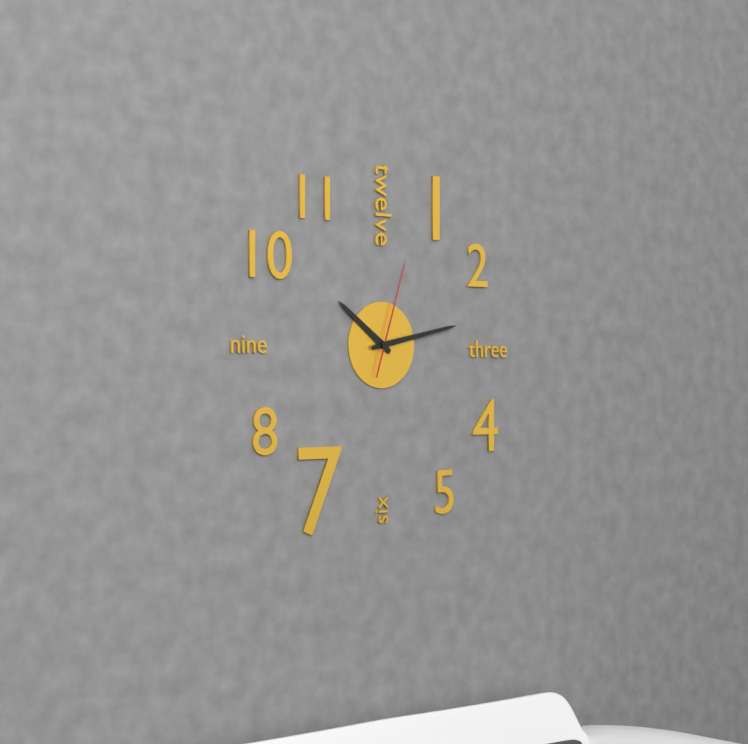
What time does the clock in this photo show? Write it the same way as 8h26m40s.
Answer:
10h13m03s
